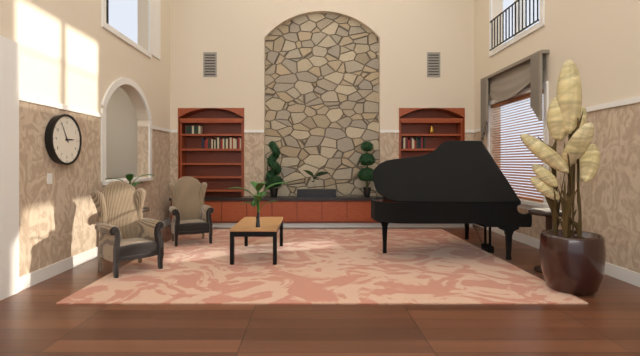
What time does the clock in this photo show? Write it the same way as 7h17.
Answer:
2h55
